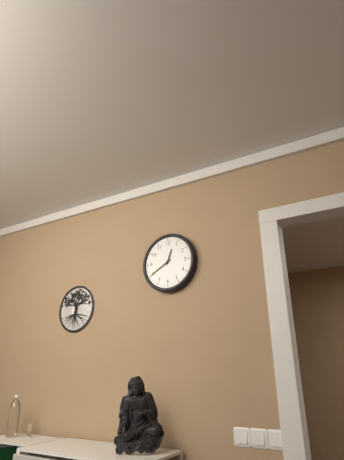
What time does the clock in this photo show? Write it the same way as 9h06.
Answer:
12h40
